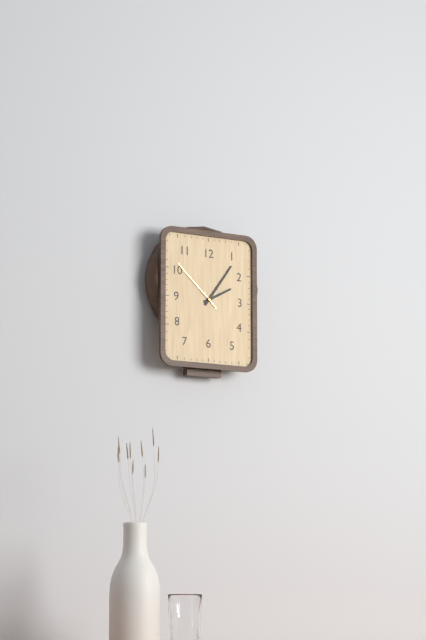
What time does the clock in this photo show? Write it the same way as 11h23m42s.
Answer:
2h06m52s
